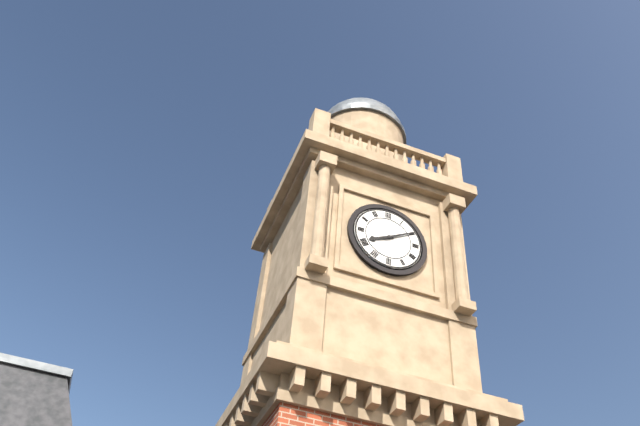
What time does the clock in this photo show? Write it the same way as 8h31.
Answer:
8h10
